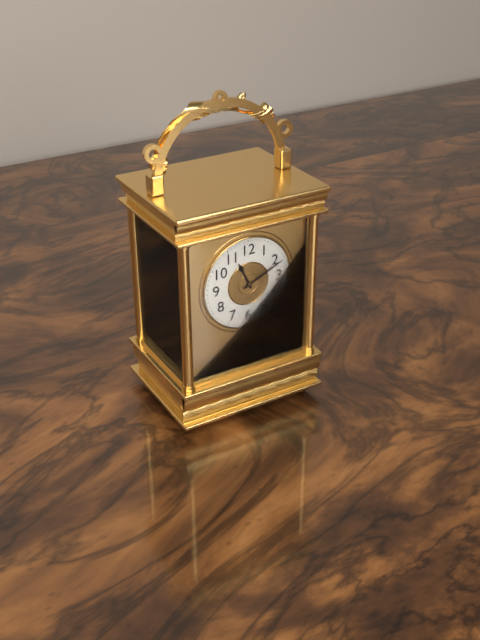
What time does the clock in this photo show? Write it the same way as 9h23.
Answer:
11h11
